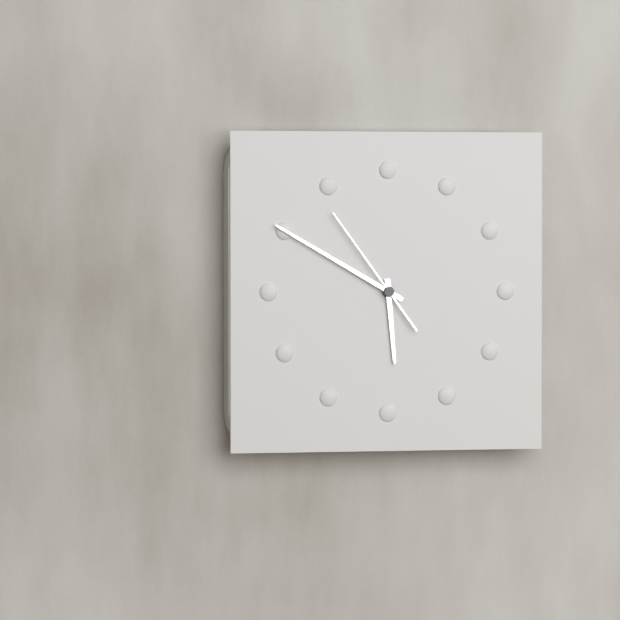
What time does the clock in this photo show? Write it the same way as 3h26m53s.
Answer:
5h50m54s
